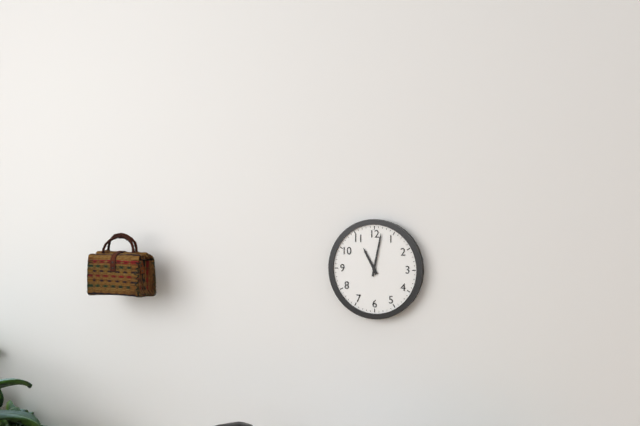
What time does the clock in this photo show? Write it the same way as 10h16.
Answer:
11h02
